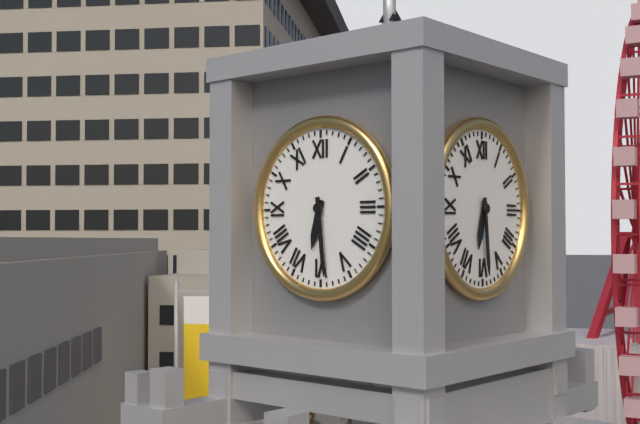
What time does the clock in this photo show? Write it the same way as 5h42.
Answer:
6h29
